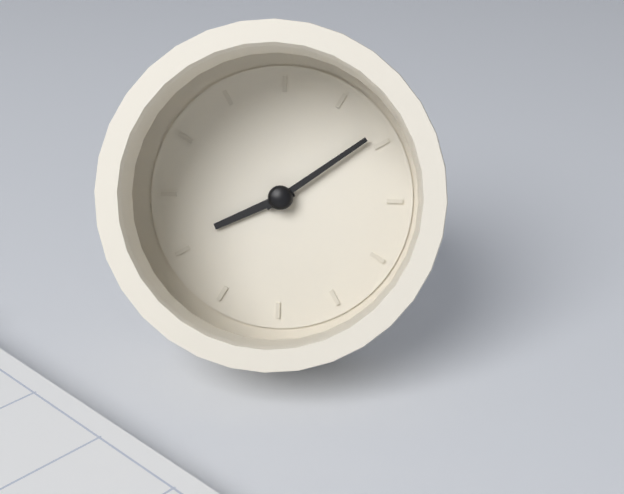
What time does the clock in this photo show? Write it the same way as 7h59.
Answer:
8h09
